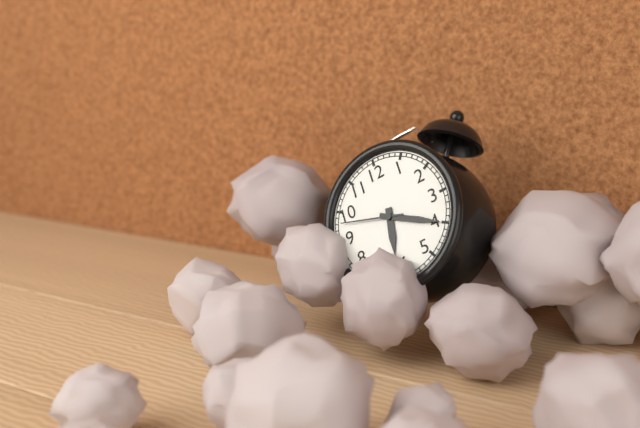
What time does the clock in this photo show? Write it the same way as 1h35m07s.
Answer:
6h20m48s
